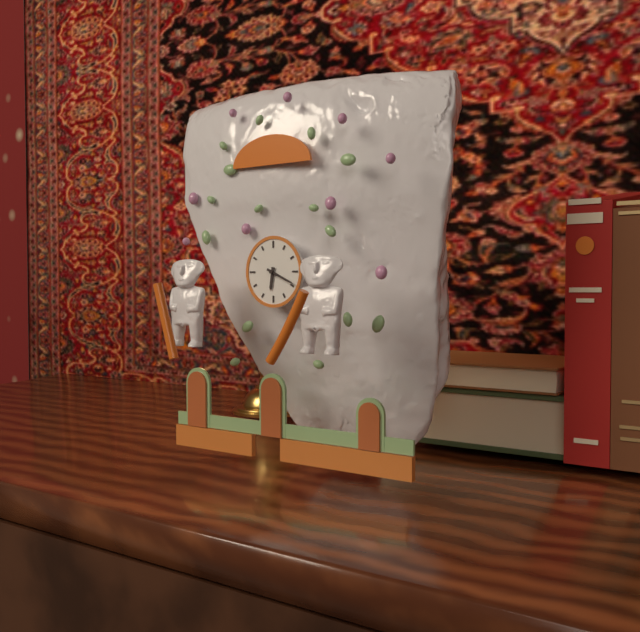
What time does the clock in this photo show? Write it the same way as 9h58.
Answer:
6h19
